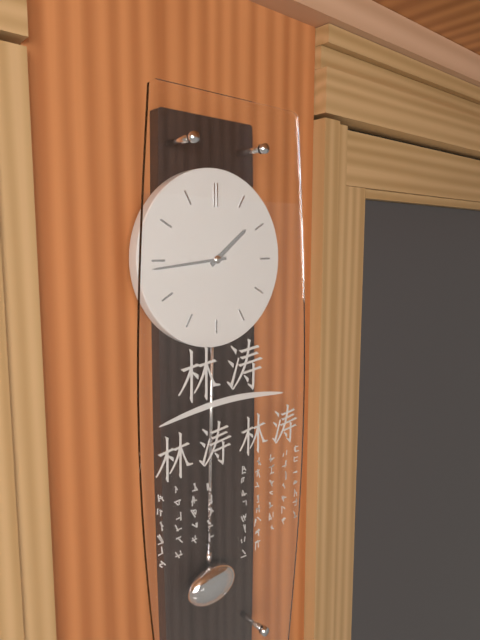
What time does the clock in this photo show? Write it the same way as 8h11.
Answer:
1h44
